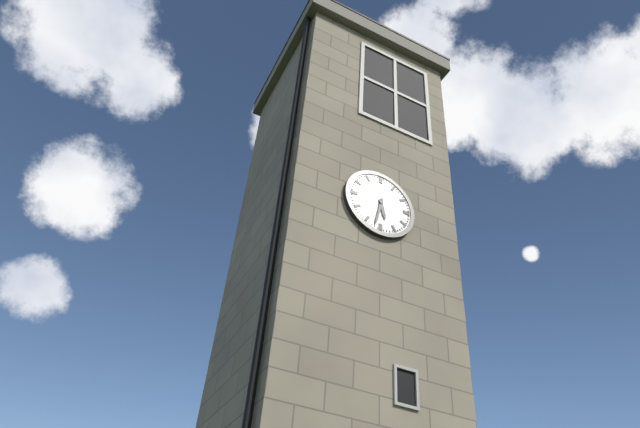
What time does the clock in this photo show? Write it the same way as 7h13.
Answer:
5h32
